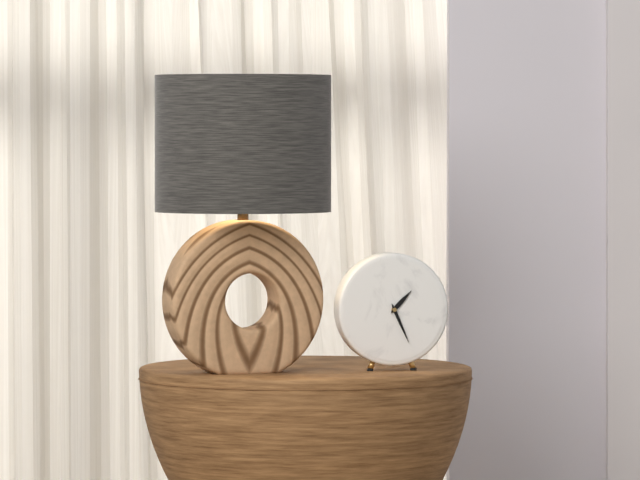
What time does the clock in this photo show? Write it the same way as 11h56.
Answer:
1h26
